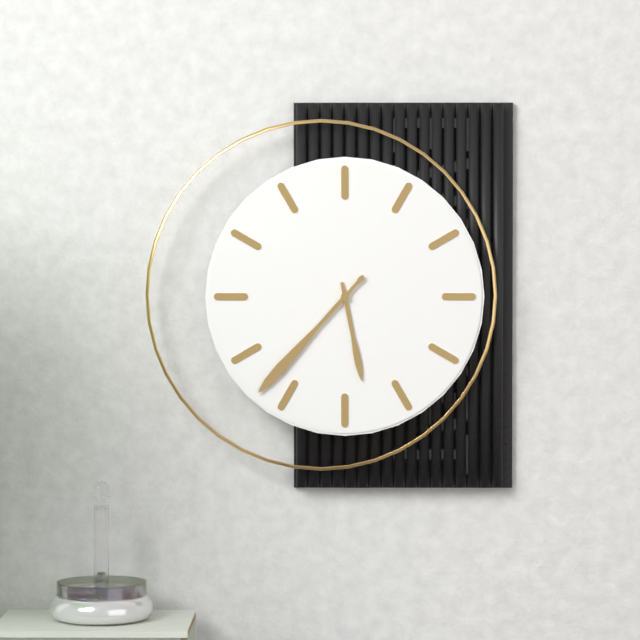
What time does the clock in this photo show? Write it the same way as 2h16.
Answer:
5h37
